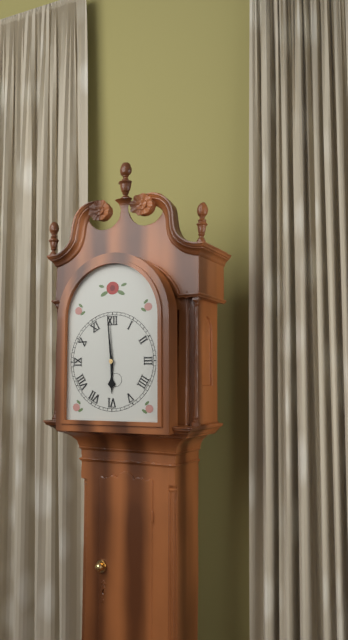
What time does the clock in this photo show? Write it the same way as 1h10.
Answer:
5h59
